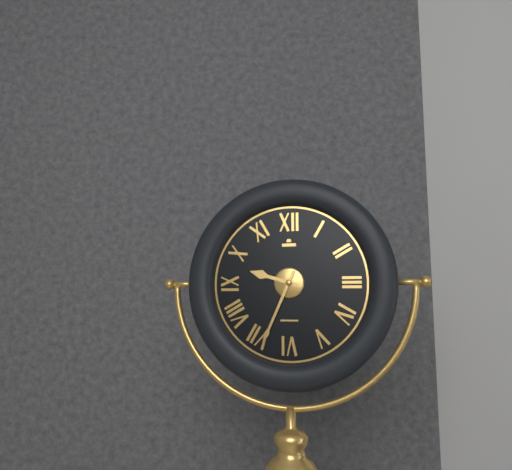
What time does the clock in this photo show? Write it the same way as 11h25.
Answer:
9h34
